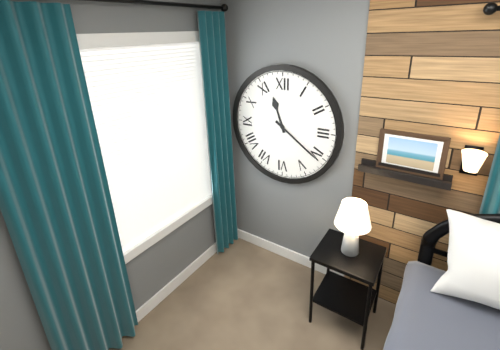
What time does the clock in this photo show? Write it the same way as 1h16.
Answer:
11h21
